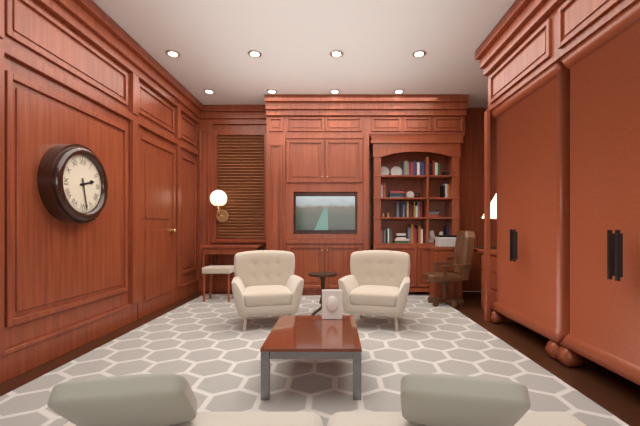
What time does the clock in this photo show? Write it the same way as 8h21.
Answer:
2h28
